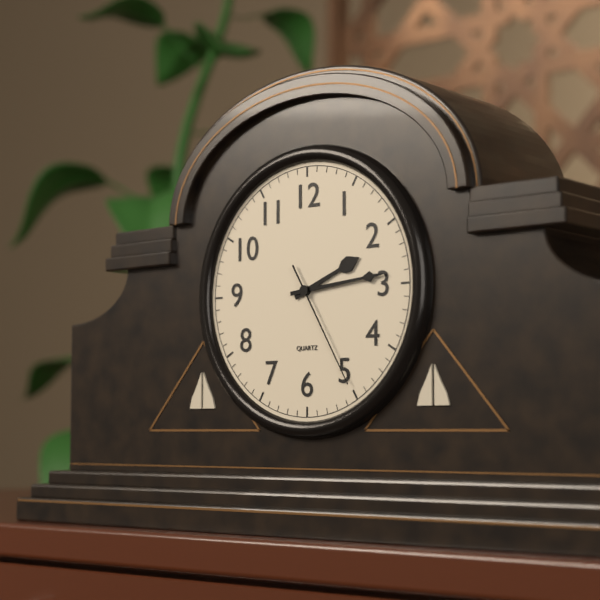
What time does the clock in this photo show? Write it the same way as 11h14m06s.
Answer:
2h14m25s
